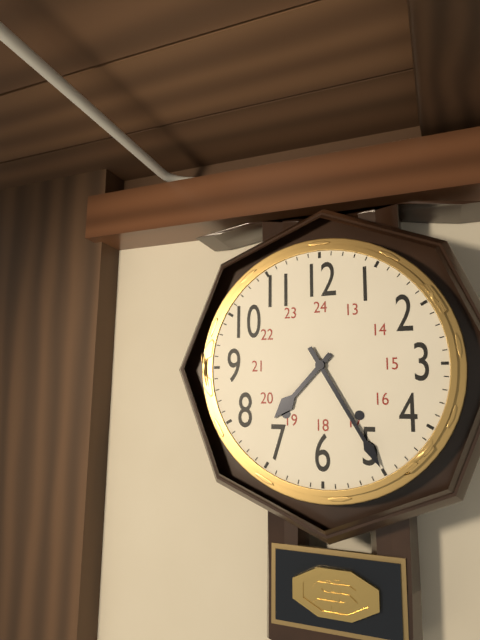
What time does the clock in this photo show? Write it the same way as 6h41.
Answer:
7h25
